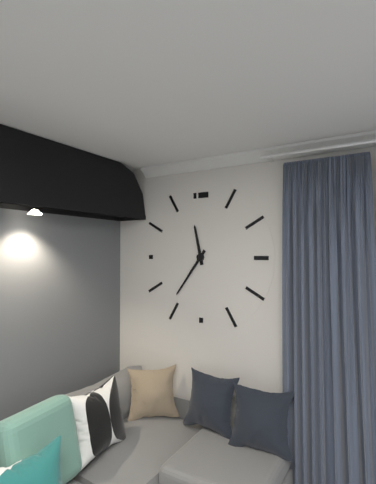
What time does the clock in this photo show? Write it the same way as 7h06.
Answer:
11h36
